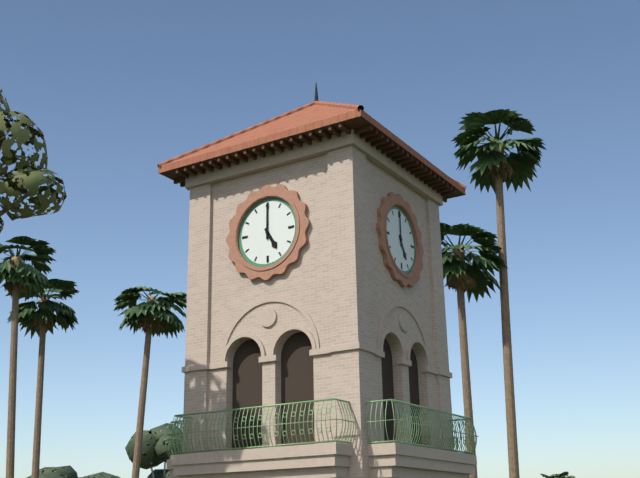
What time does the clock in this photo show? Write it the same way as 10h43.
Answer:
5h00
